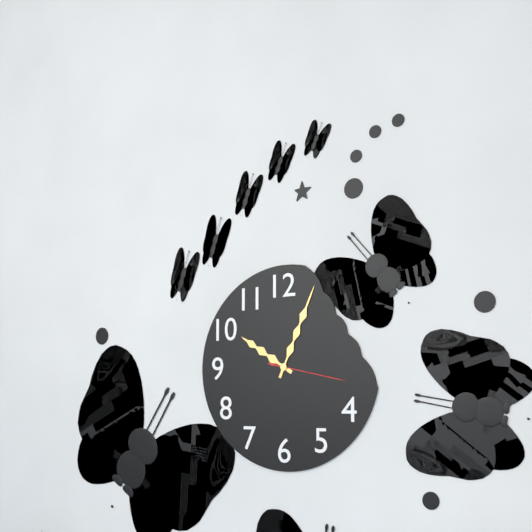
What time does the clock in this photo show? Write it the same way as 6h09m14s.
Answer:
10h04m17s
